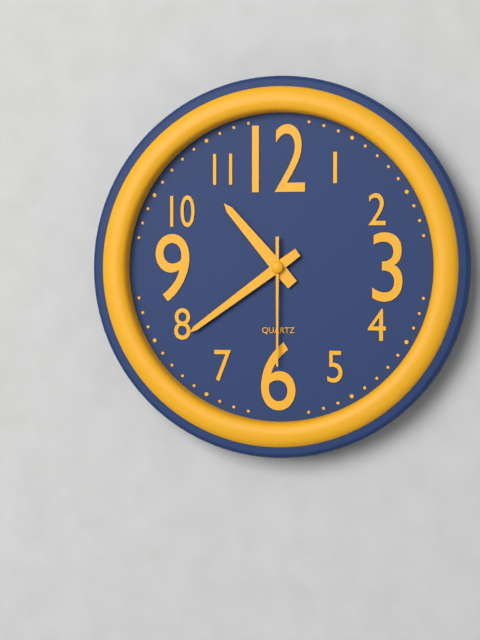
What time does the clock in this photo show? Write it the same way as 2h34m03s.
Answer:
10h39m30s
